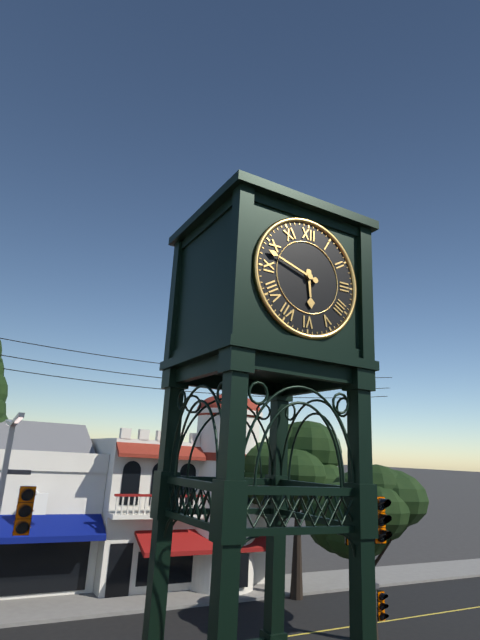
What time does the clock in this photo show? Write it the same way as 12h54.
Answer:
5h48
